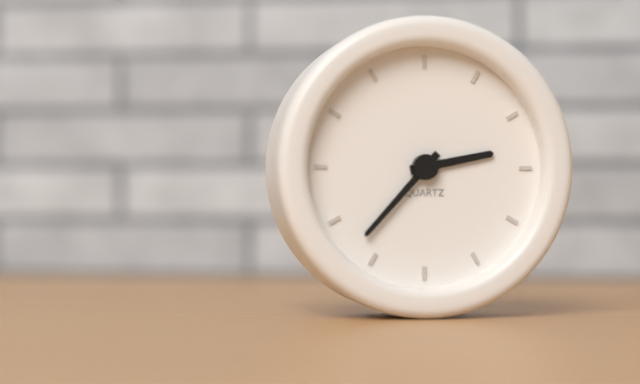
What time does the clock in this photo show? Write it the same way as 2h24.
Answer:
2h37
